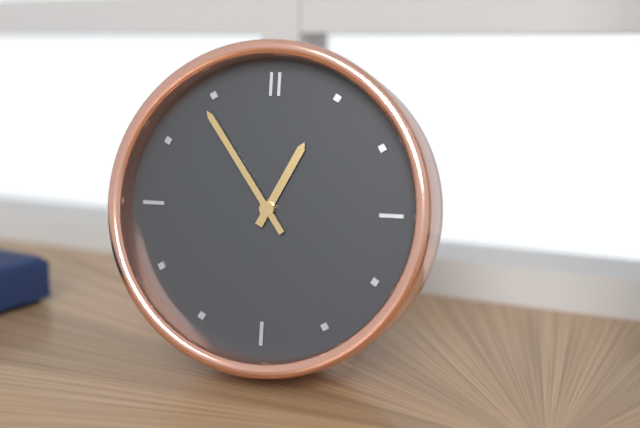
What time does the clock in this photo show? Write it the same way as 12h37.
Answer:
12h54
